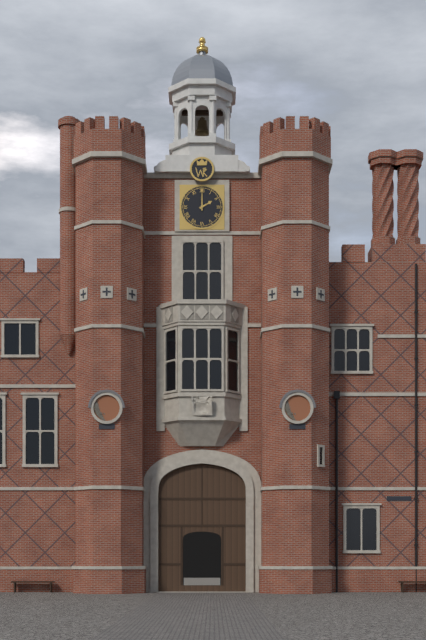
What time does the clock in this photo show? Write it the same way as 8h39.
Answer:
2h00
